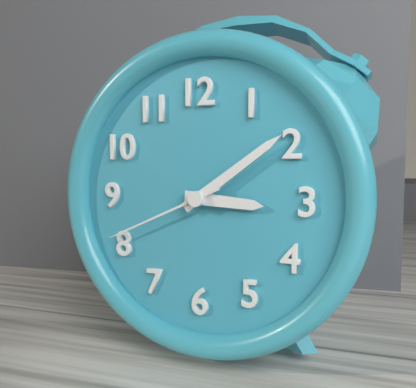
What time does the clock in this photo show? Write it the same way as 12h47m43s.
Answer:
3h09m41s
